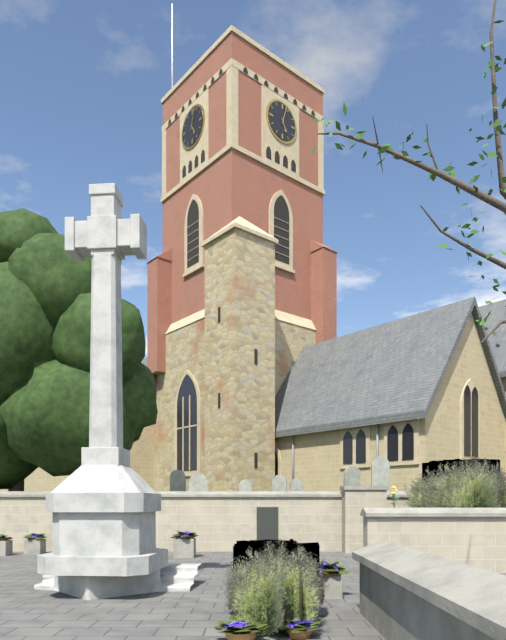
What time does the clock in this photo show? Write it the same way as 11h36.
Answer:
5h03
